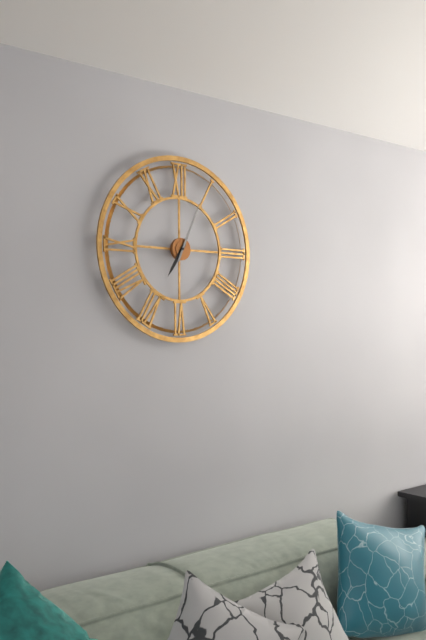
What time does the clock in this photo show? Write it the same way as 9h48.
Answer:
7h04
